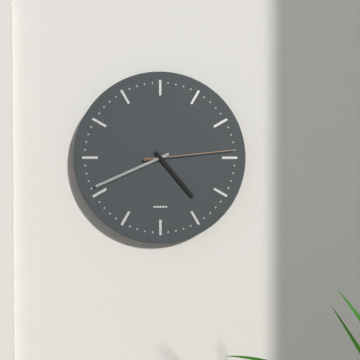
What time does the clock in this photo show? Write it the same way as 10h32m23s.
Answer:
4h41m14s
